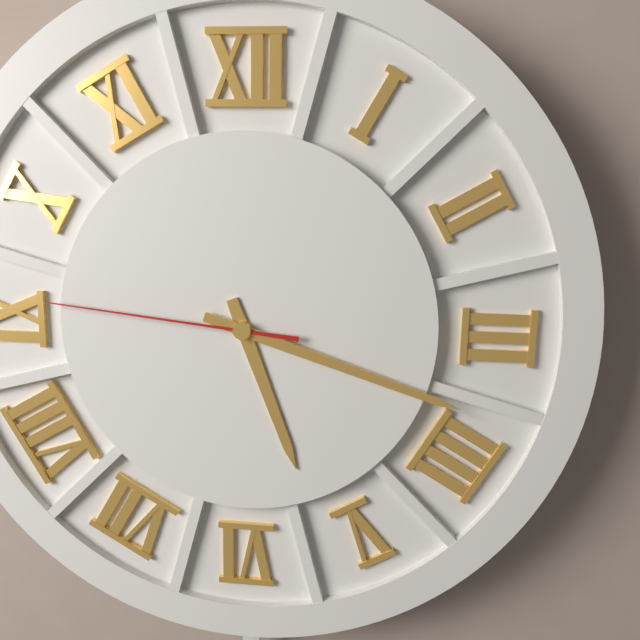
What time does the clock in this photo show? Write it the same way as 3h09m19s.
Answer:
5h18m46s
